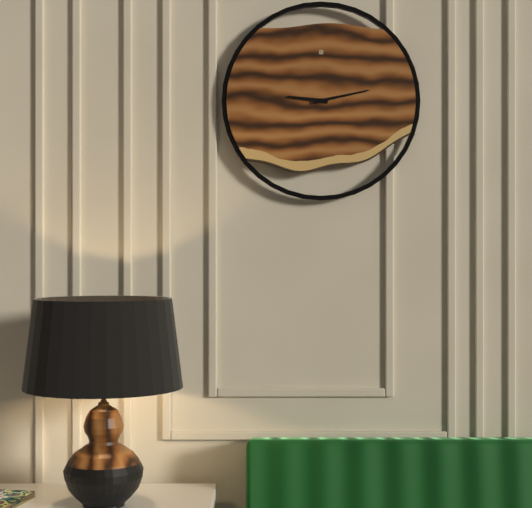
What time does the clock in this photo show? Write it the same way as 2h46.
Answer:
9h13
